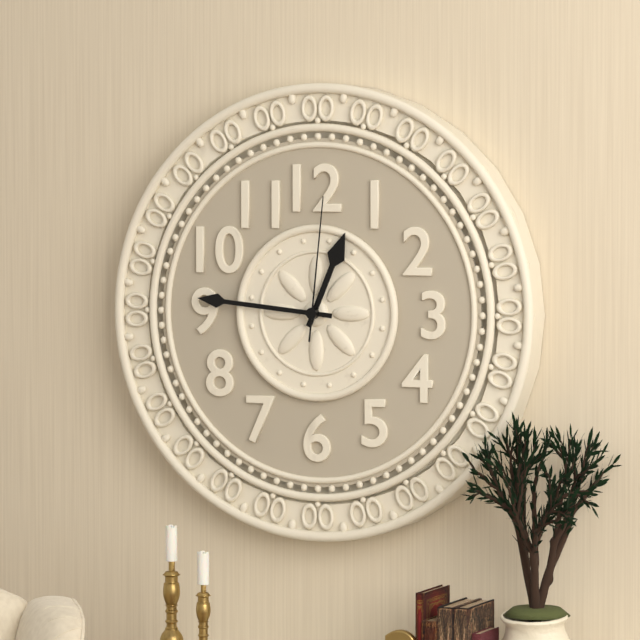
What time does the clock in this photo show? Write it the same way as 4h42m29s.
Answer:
12h46m01s
